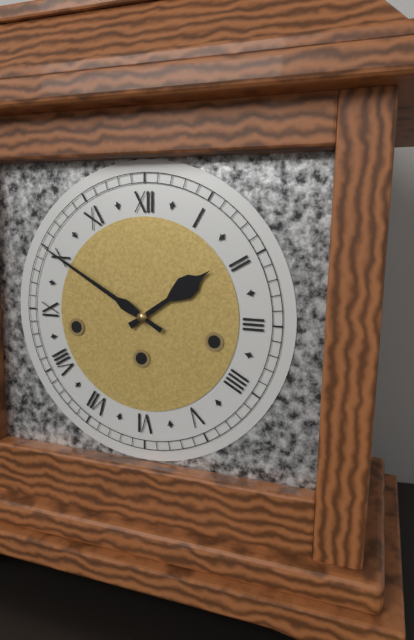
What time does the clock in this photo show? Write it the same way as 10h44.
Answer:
1h50
